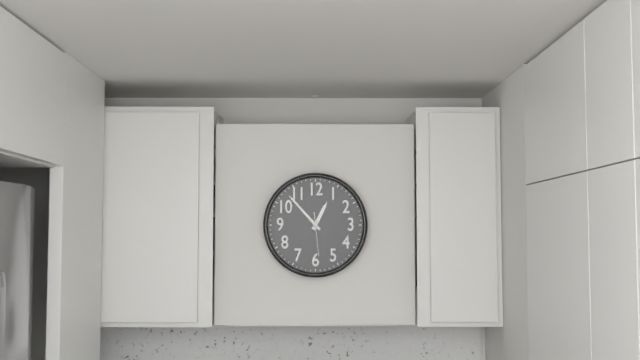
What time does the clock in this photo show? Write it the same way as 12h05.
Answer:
12h53
